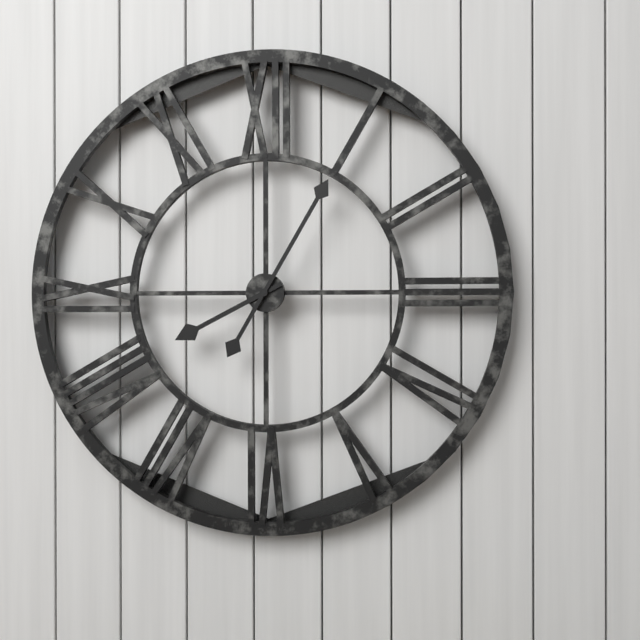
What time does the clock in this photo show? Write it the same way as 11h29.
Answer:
8h05
